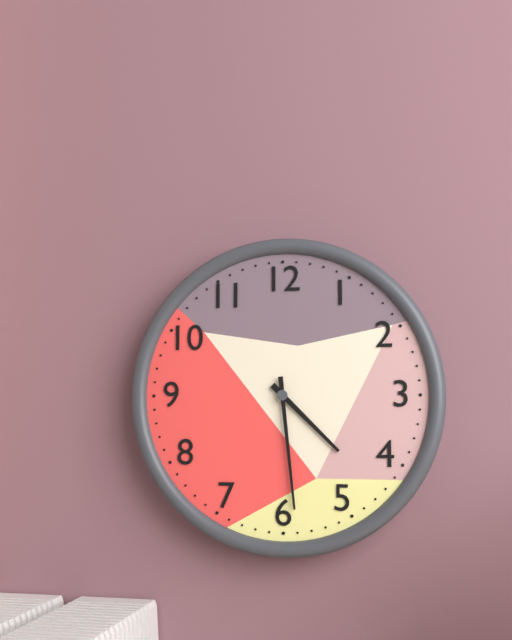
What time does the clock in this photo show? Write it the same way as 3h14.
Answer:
4h29
